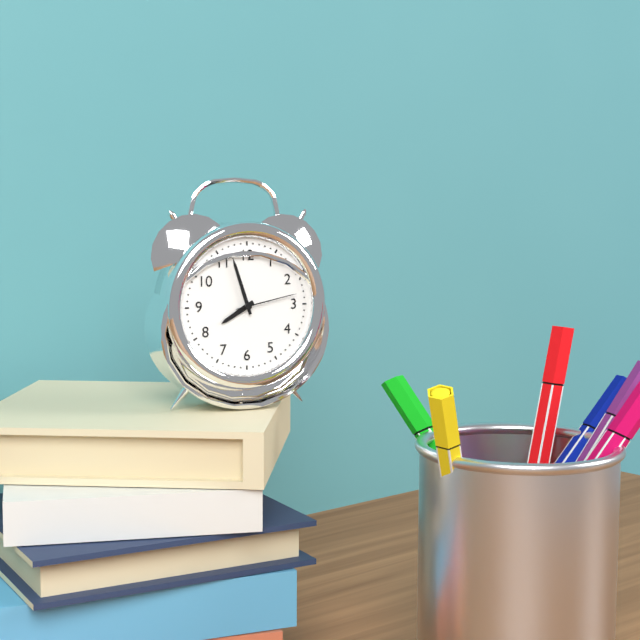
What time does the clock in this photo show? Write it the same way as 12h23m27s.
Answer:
7h57m13s
